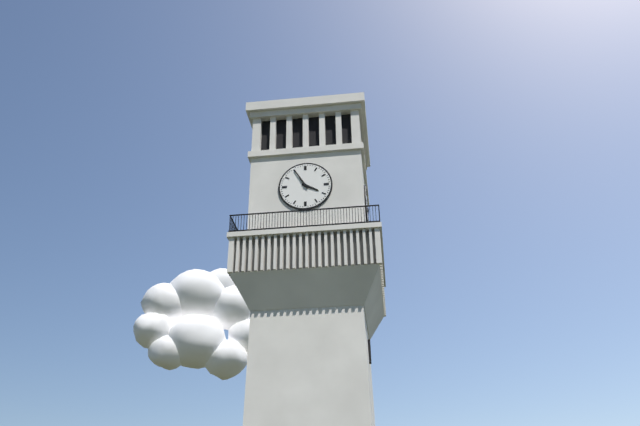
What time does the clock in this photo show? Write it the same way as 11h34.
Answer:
3h55
